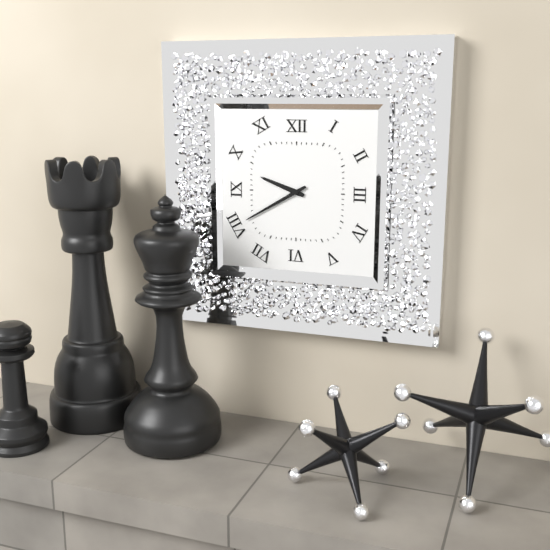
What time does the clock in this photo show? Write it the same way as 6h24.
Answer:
9h40
